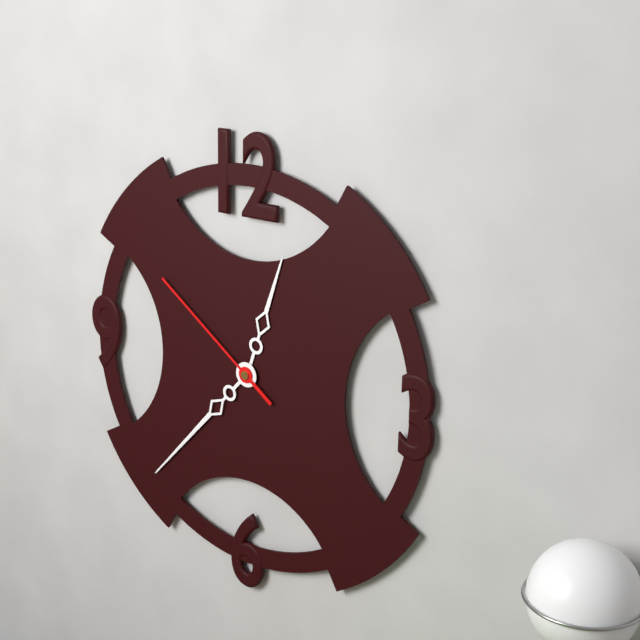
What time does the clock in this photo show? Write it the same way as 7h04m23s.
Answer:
12h37m51s
